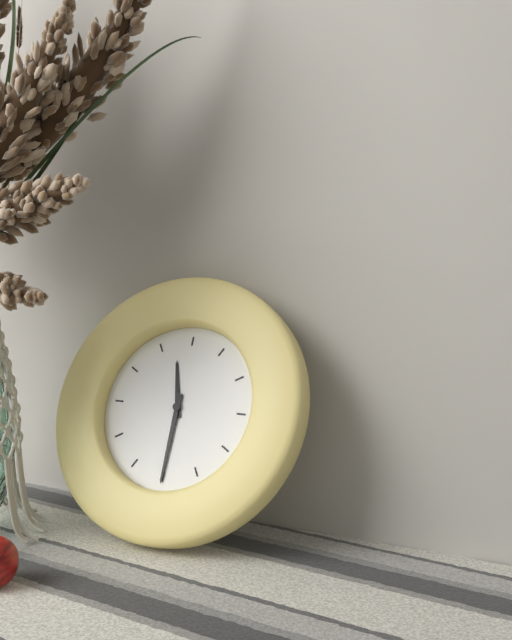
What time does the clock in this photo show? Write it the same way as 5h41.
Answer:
11h30
